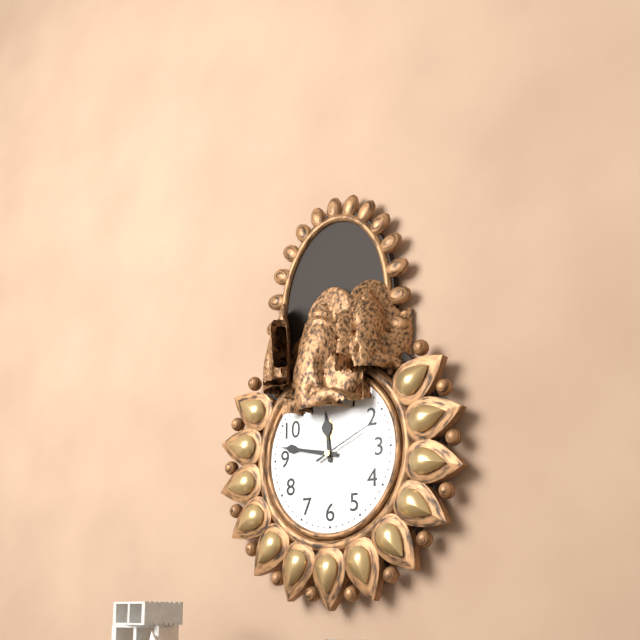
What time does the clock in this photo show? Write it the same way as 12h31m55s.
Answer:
11h47m11s
